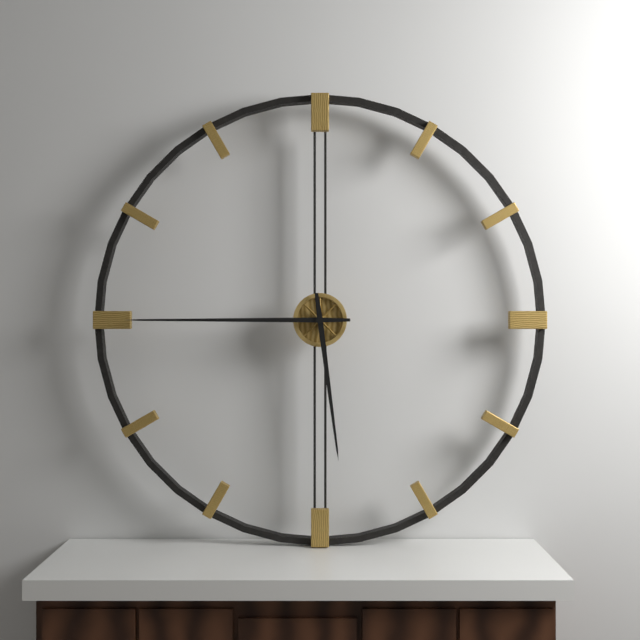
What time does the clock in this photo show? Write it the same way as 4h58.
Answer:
5h45
